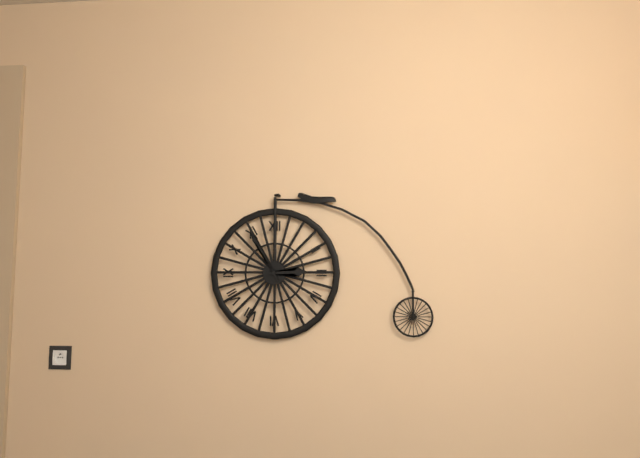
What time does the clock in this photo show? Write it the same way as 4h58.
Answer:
2h55
